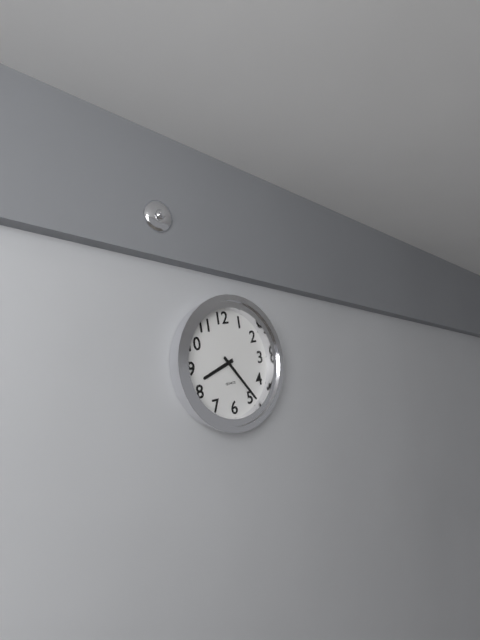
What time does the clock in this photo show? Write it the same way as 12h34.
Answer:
8h24
